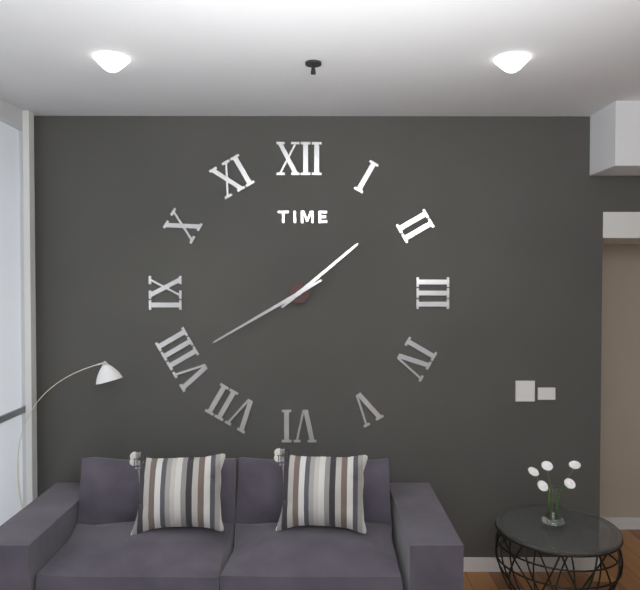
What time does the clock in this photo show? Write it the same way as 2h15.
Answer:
1h40
